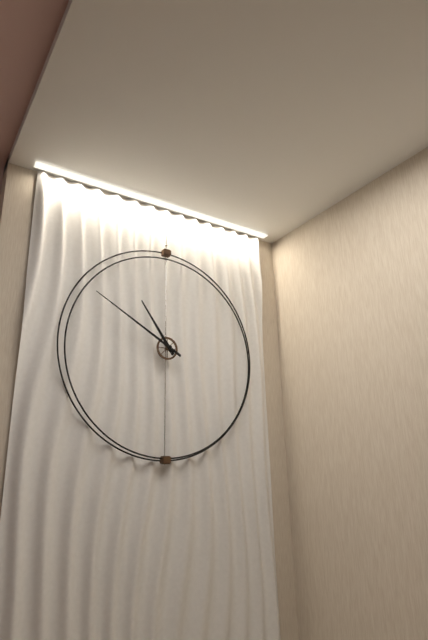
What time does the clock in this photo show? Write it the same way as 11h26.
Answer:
10h50
